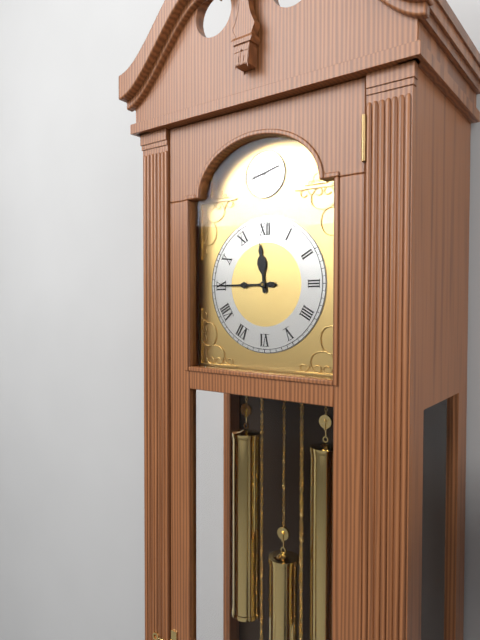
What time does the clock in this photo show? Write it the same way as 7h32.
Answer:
11h45
